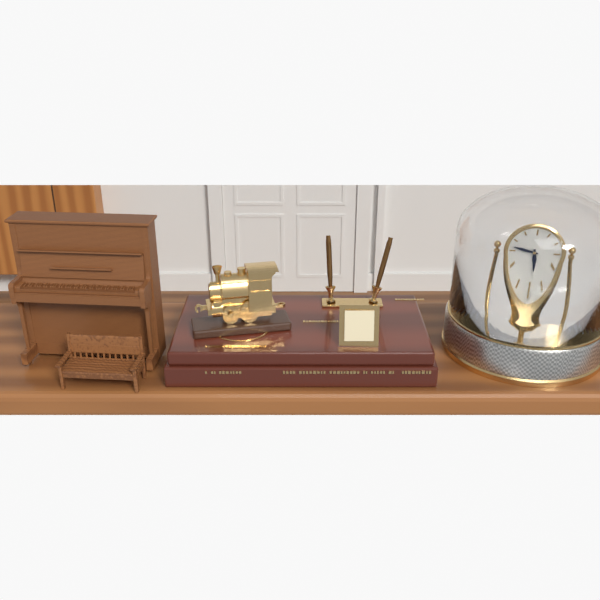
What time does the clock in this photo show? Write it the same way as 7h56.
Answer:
5h47
